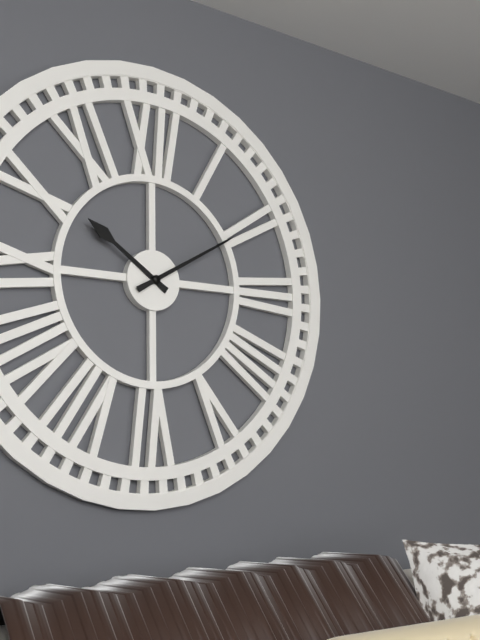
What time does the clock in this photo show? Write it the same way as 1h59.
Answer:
10h10
